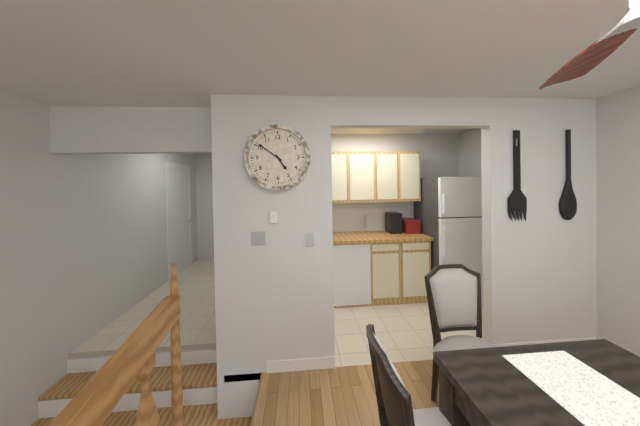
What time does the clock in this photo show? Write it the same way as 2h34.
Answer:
4h51
